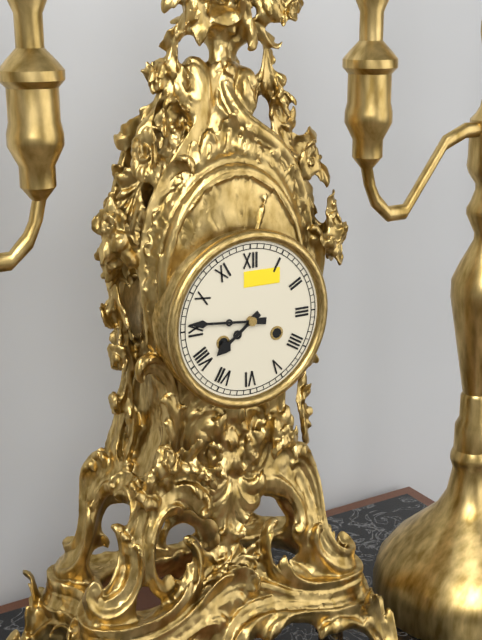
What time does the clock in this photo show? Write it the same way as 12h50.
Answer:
7h46
